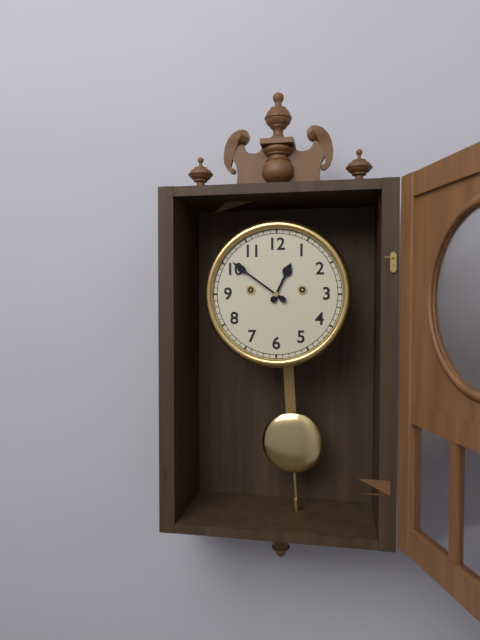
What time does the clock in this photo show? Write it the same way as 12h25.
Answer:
12h51
